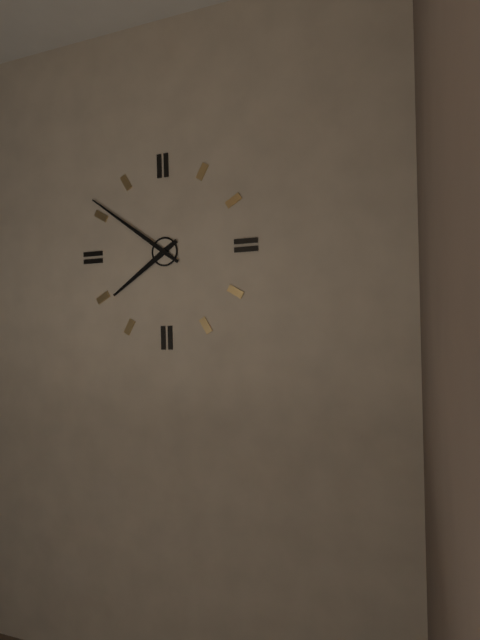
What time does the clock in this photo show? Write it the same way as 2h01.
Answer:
7h51
